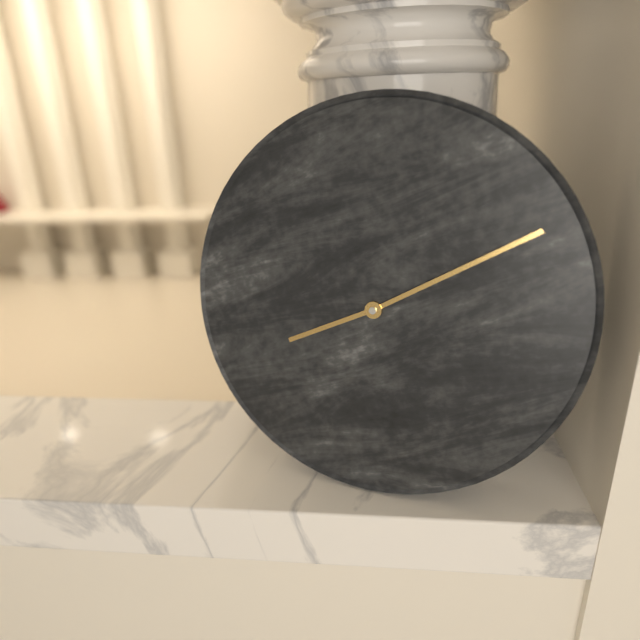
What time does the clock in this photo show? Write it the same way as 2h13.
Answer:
8h10
